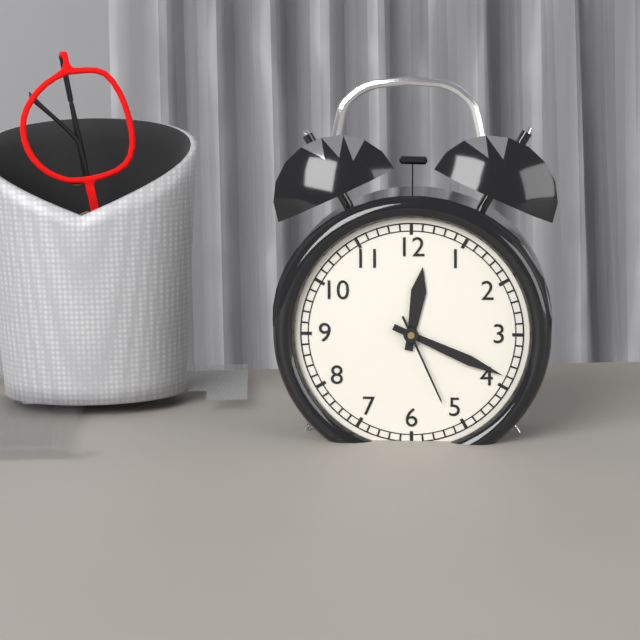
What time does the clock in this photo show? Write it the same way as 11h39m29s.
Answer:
12h19m26s
